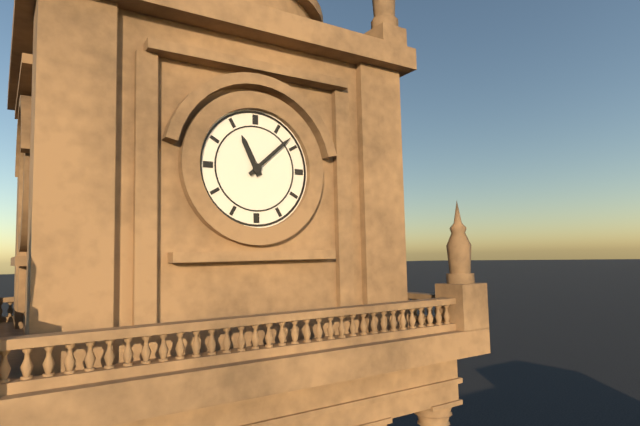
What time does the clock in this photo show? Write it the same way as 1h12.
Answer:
11h08
